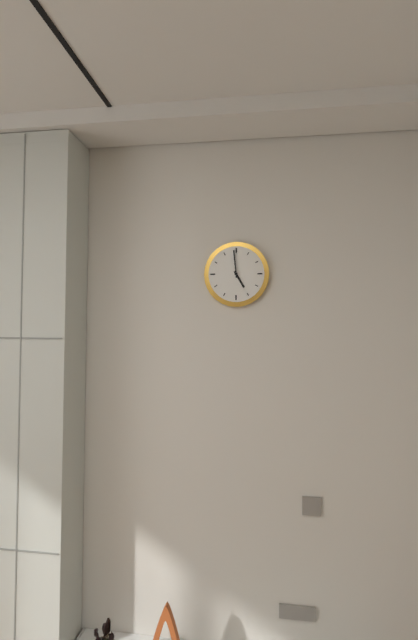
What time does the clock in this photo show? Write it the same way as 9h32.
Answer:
4h59
